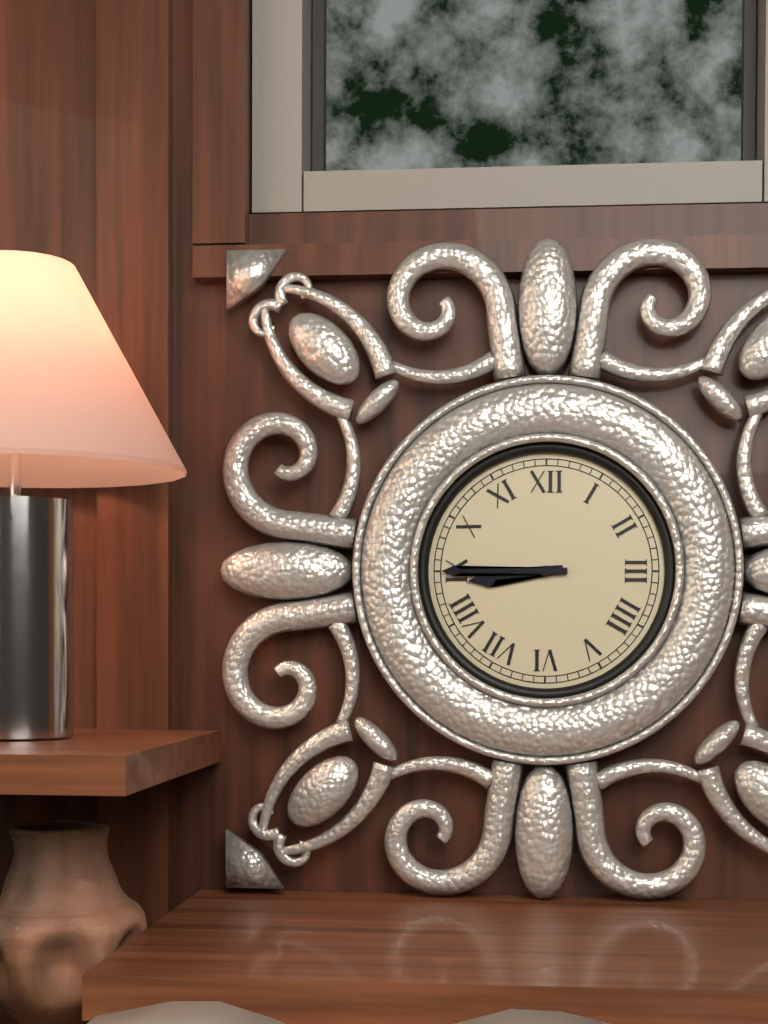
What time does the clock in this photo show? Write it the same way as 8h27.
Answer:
8h45
